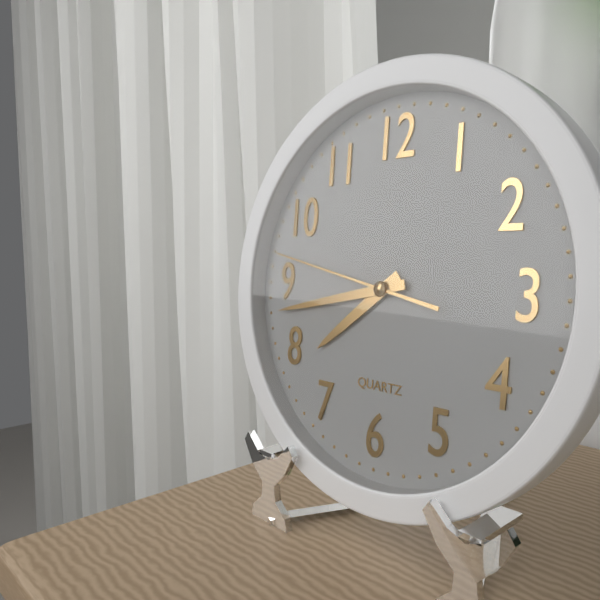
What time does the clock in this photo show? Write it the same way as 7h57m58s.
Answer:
7h43m47s
